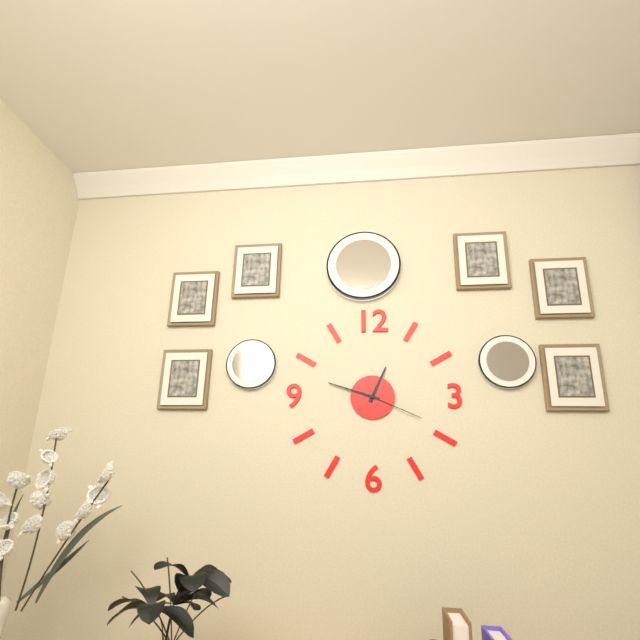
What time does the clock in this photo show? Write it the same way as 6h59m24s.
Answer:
12h48m19s
